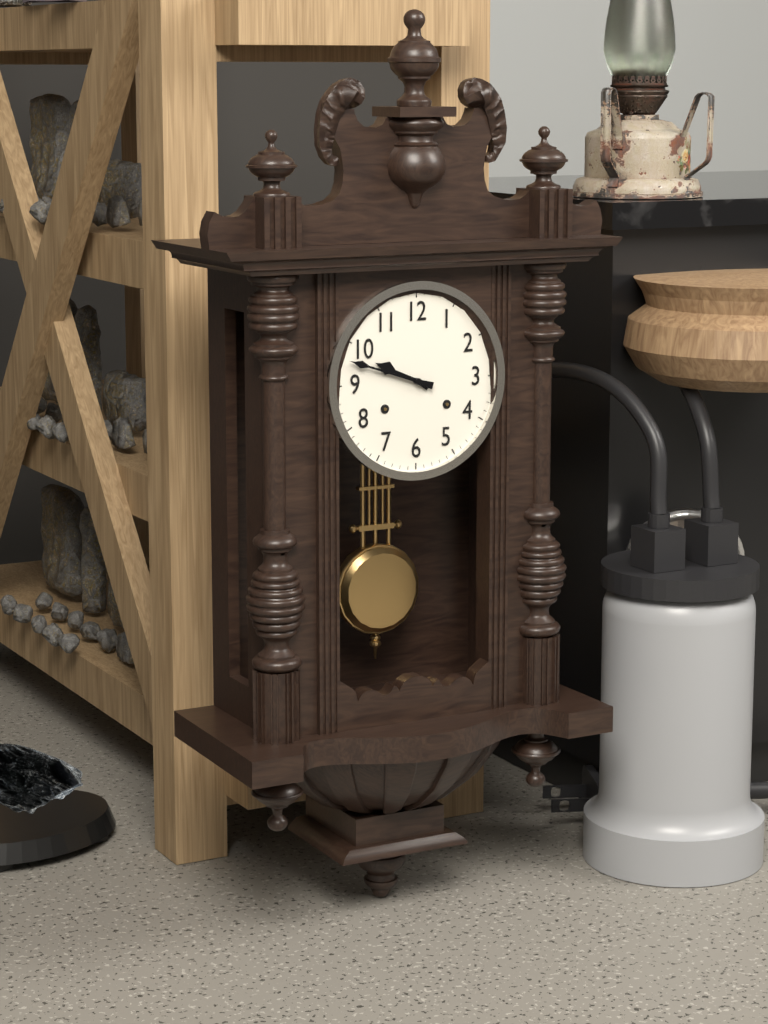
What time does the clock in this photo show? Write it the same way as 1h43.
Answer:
9h48
